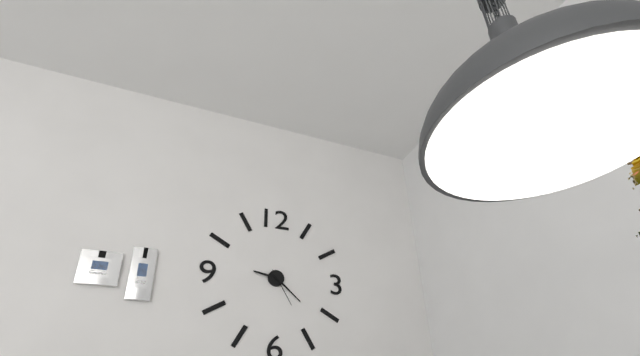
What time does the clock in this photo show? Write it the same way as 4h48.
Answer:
9h22
